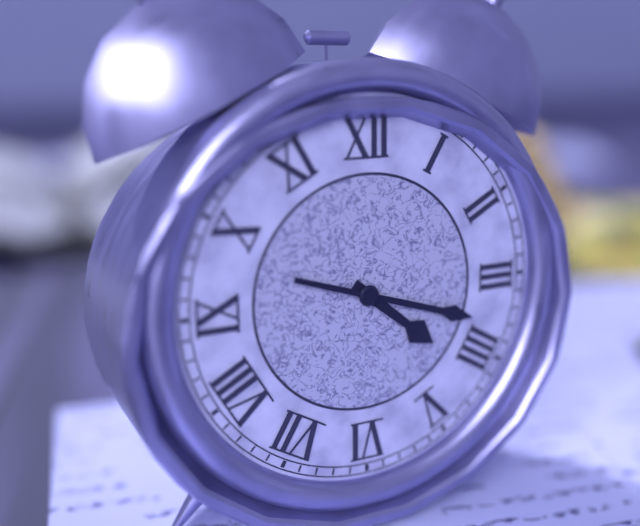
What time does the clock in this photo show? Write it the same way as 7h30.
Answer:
4h18
